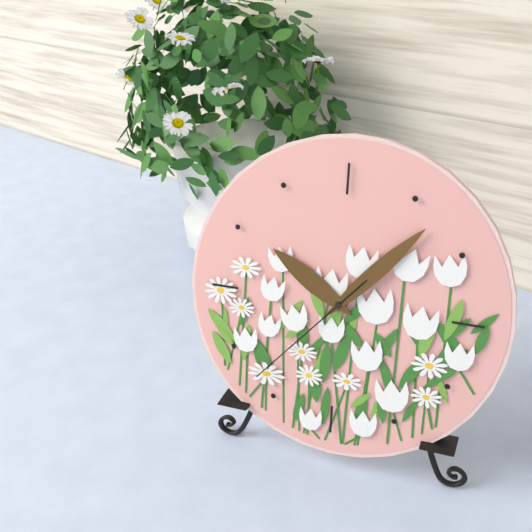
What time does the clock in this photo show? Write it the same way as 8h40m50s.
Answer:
10h07m37s
